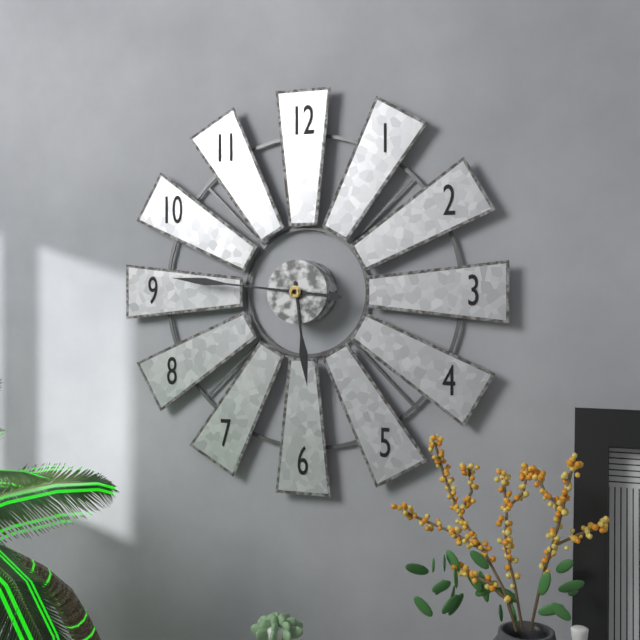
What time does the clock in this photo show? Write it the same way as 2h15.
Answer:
5h46
